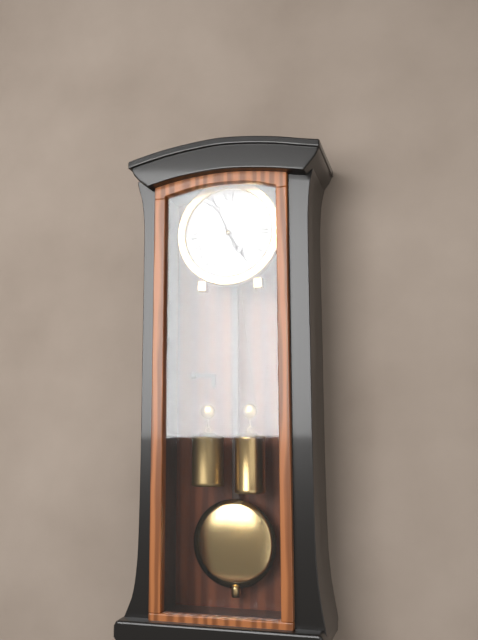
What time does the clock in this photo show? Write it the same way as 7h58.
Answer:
4h56
